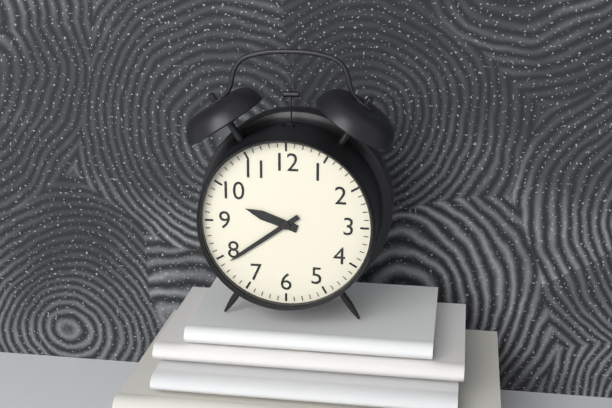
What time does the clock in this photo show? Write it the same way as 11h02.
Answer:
9h39
